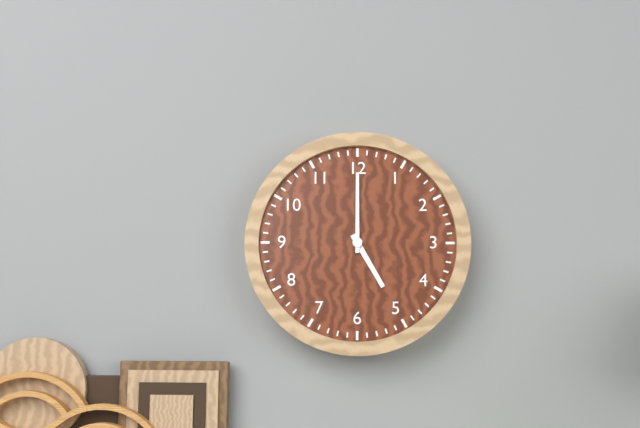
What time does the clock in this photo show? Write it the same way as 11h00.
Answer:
5h00
